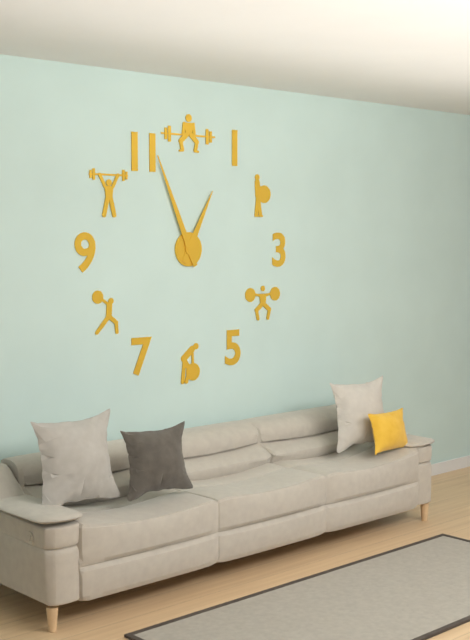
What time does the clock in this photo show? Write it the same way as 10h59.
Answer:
12h56
